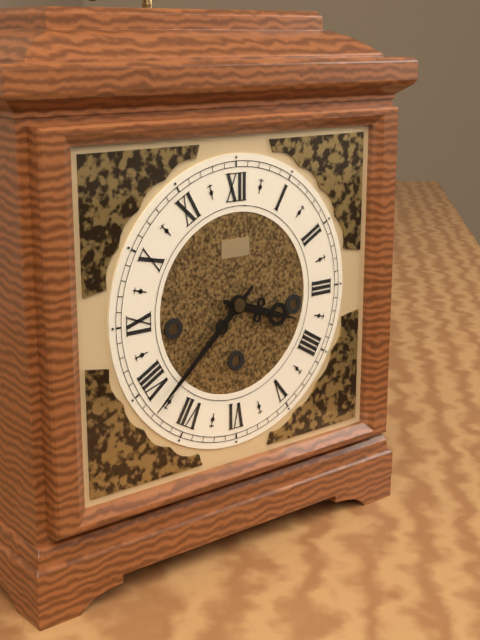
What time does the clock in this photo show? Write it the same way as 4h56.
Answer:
3h38
